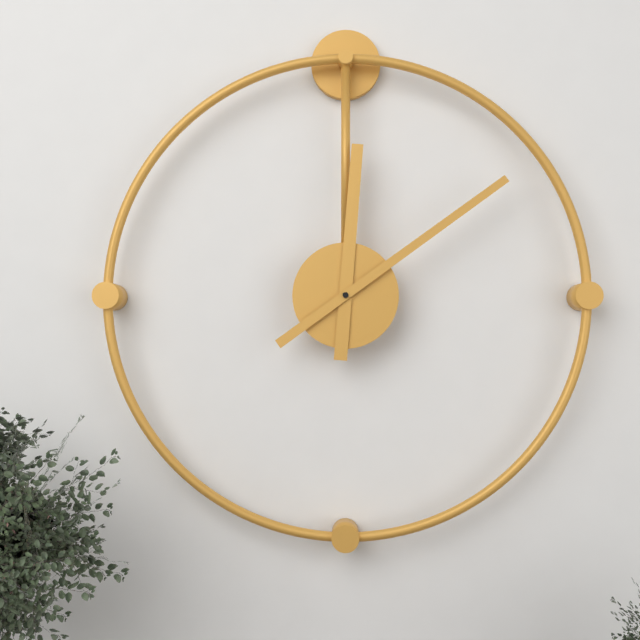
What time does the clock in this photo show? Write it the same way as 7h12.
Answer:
12h09
